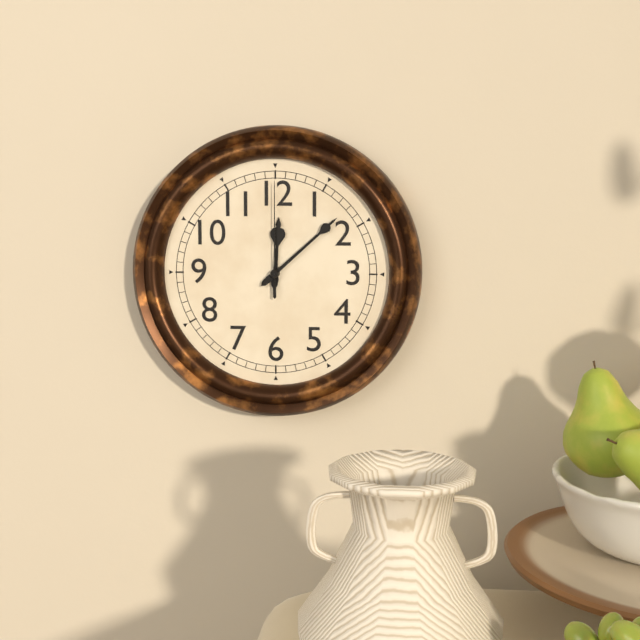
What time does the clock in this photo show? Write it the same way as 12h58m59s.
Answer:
12h08m00s
